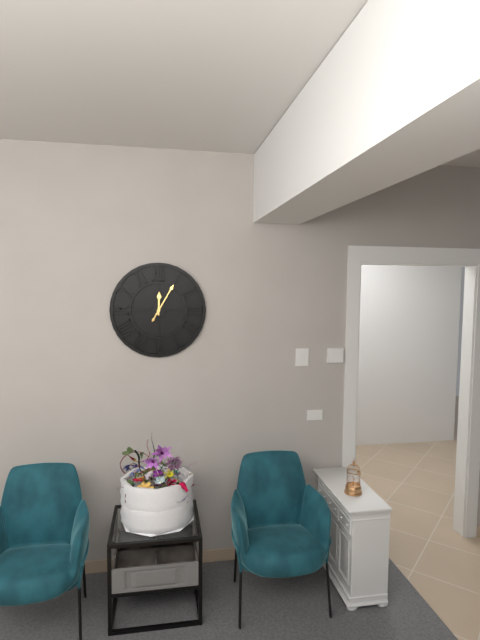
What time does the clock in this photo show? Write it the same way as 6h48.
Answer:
12h05
